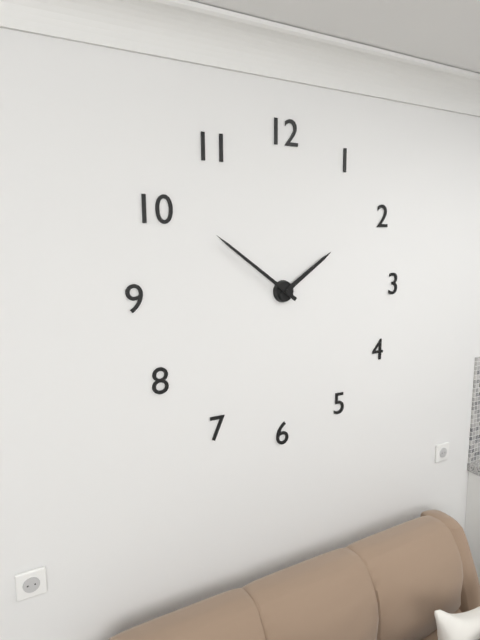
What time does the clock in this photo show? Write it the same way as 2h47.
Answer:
1h51
